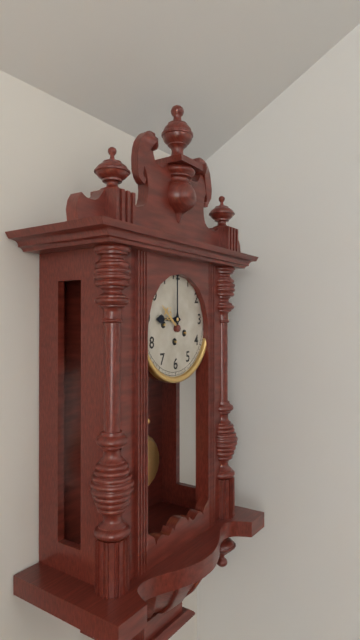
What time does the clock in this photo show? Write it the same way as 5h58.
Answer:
9h00
